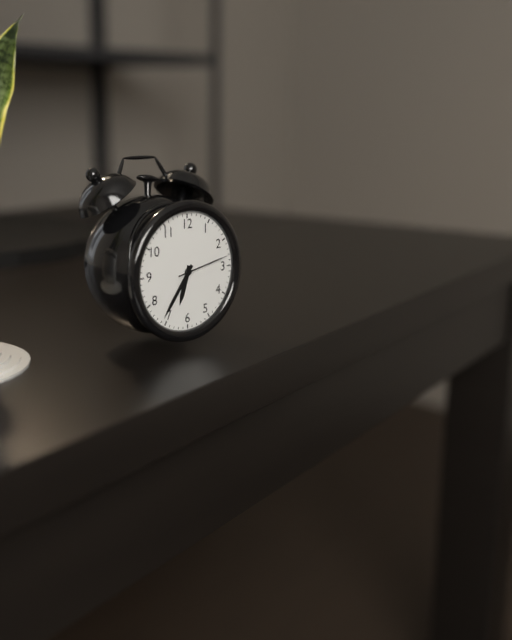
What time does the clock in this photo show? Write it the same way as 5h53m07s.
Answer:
6h36m13s
